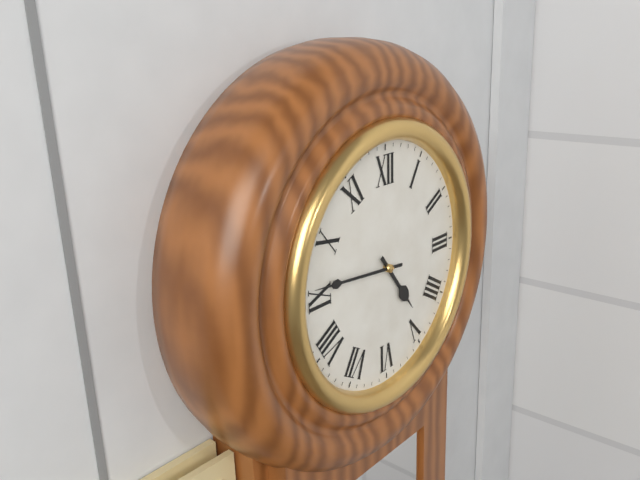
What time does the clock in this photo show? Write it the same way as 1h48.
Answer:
4h46
